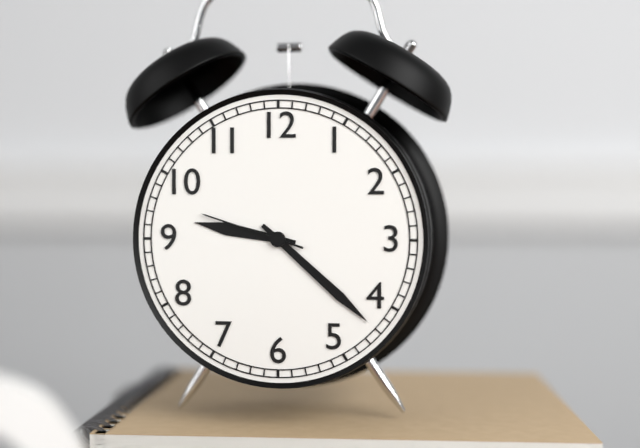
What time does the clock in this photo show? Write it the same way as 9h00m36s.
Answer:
9h22m48s
